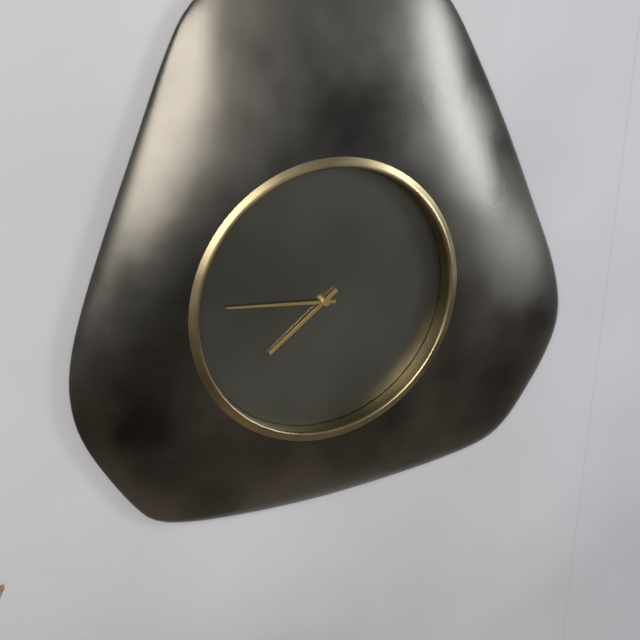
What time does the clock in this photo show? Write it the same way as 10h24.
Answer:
7h46
